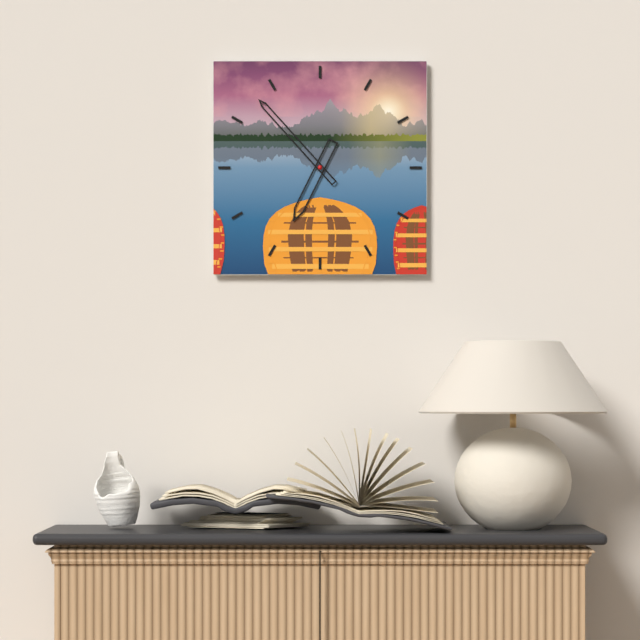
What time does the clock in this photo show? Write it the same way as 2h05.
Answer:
6h53
